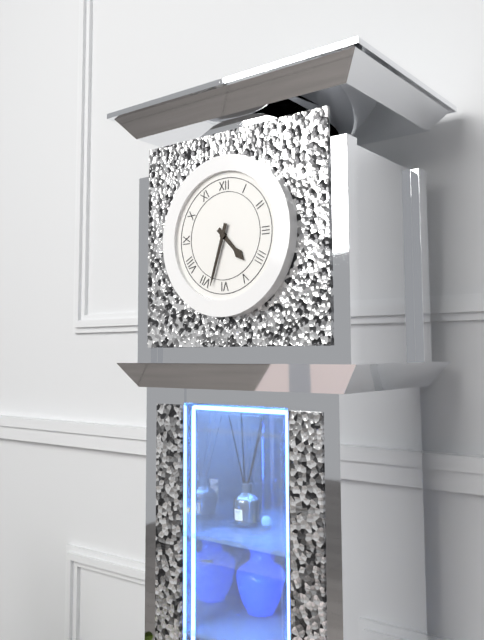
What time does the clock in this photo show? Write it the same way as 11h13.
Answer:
4h33
